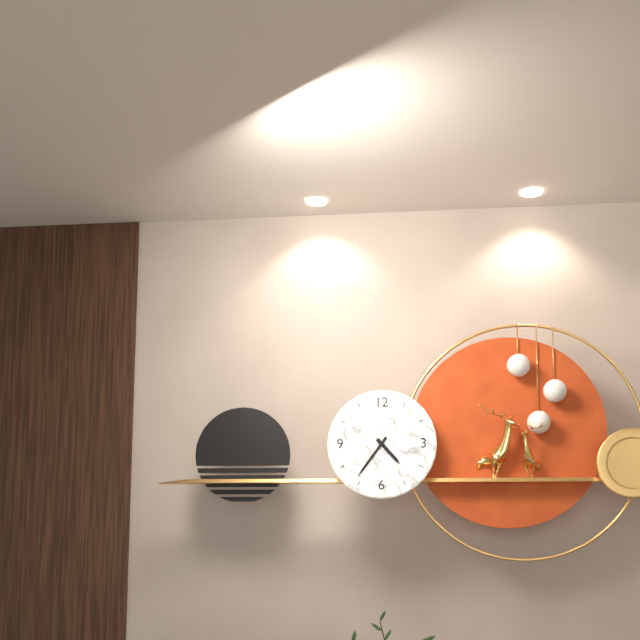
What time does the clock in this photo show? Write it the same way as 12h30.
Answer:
4h36
